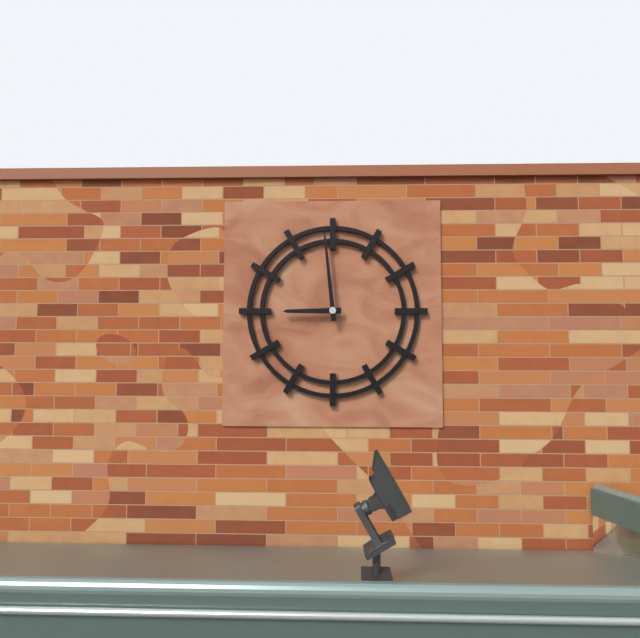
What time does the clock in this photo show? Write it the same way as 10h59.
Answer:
8h59
